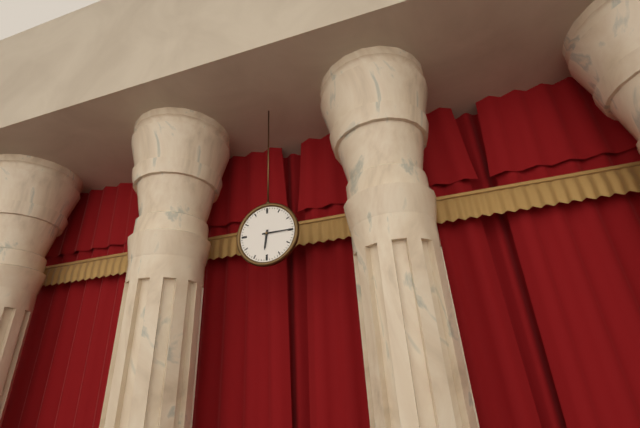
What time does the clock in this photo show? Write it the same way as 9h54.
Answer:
6h15
